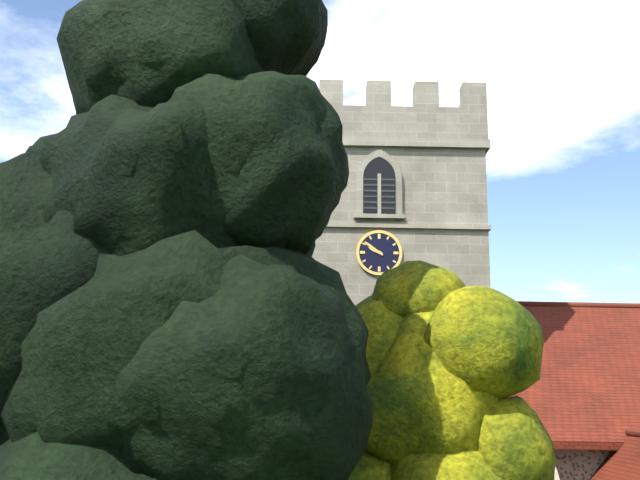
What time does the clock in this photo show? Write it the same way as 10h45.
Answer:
9h51
